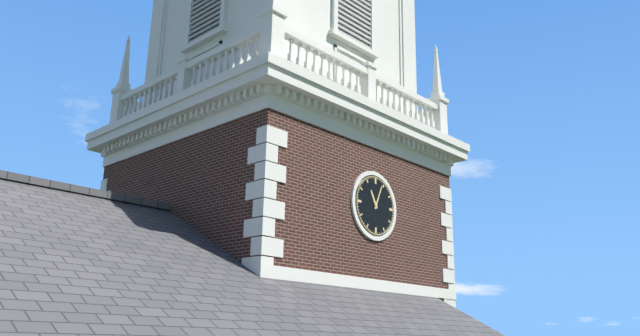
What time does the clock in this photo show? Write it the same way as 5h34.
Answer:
11h04
